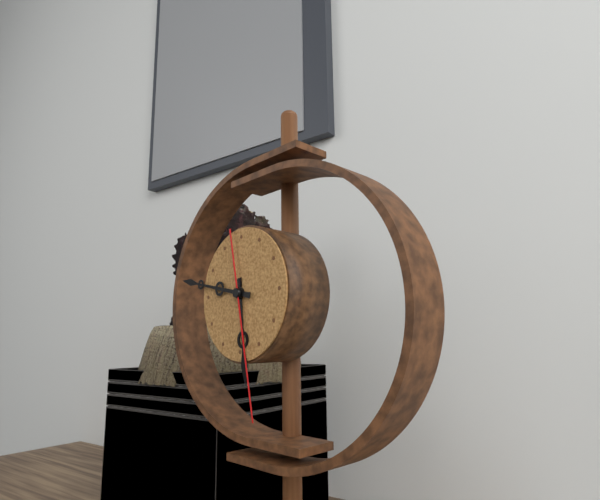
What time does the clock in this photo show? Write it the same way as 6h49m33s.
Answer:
5h47m28s
